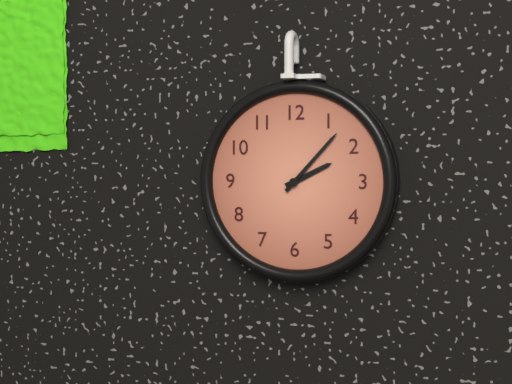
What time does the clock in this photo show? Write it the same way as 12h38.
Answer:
2h07
